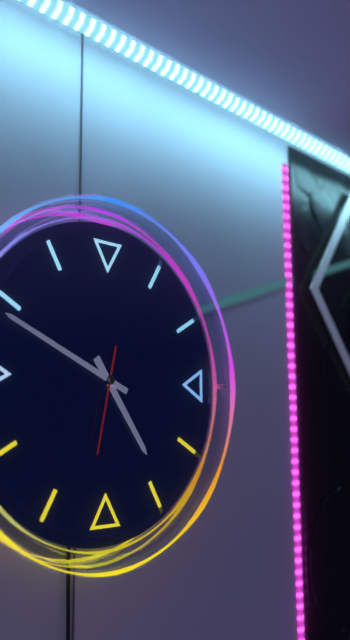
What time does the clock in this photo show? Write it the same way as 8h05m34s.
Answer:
4h49m32s
